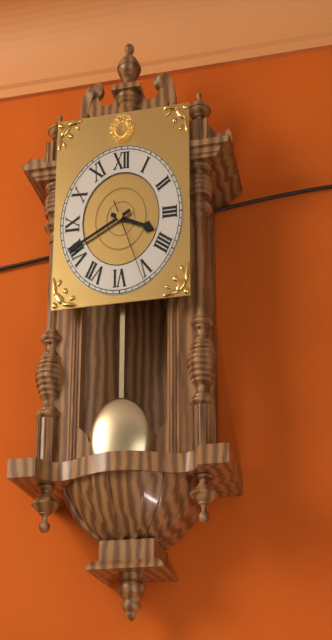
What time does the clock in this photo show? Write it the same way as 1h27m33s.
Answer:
3h41m26s
